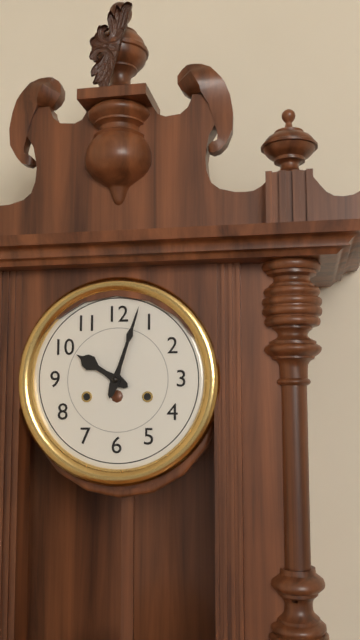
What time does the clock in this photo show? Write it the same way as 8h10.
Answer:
10h03
